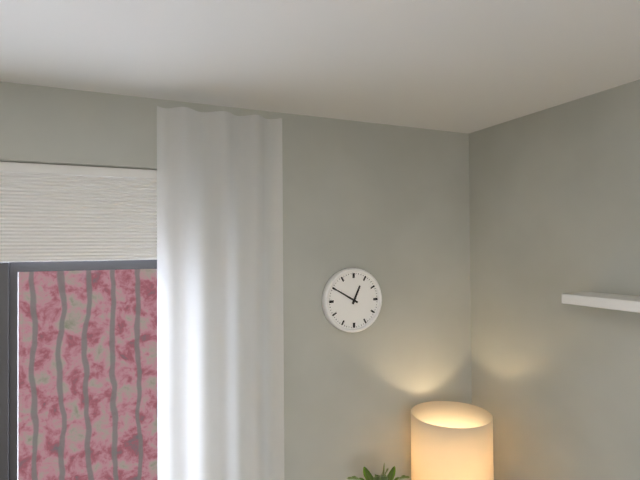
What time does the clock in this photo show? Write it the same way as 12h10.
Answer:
12h50
